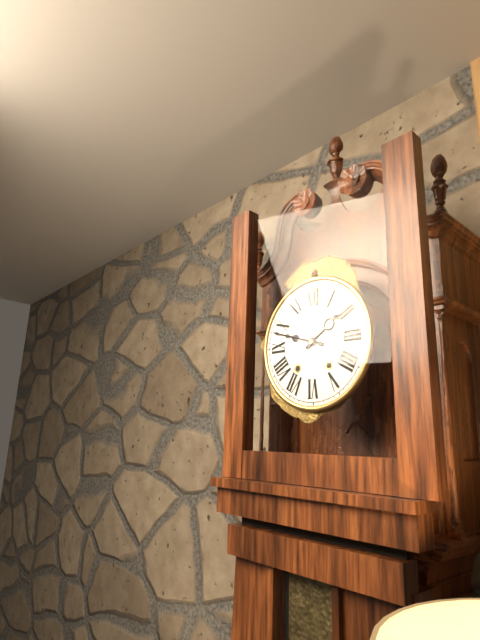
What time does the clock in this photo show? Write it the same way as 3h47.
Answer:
1h48
